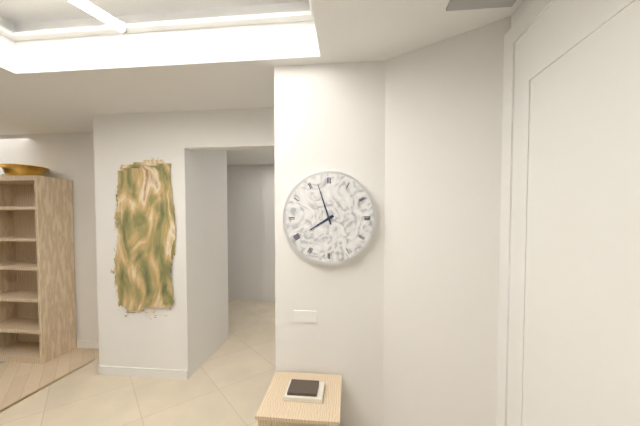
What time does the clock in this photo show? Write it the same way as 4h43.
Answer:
7h57
